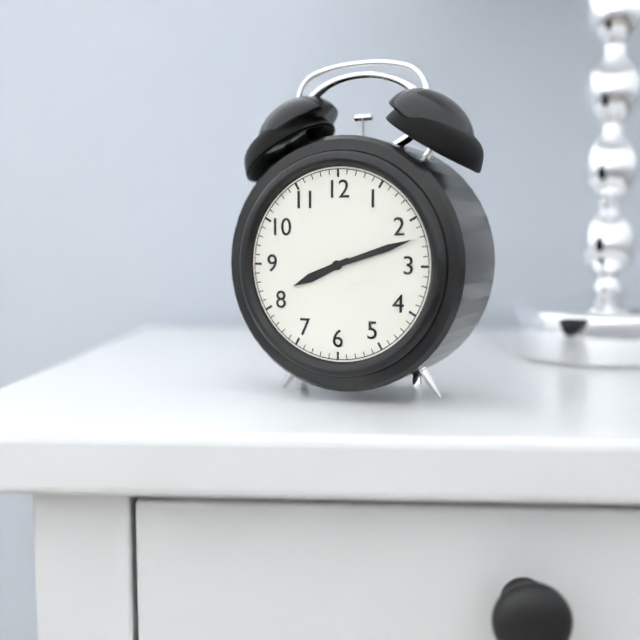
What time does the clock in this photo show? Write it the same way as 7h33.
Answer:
8h12
